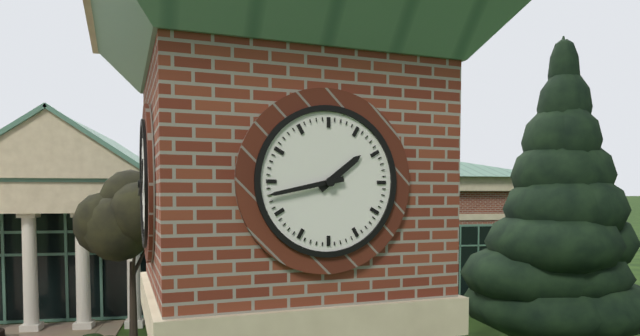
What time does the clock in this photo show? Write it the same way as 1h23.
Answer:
1h43
